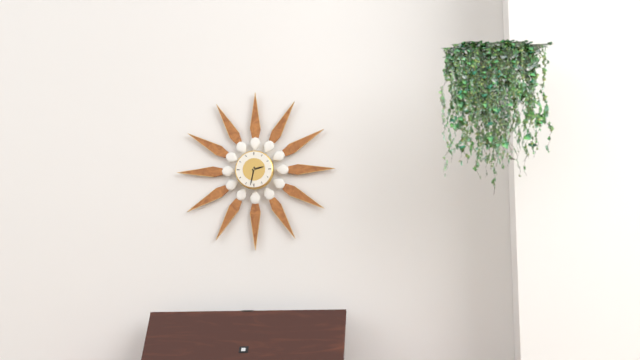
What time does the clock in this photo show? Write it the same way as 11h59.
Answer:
2h32
